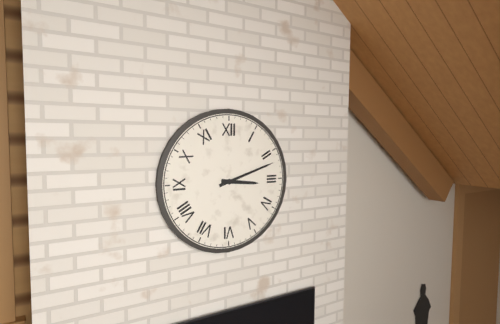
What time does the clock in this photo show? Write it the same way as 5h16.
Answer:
3h12
